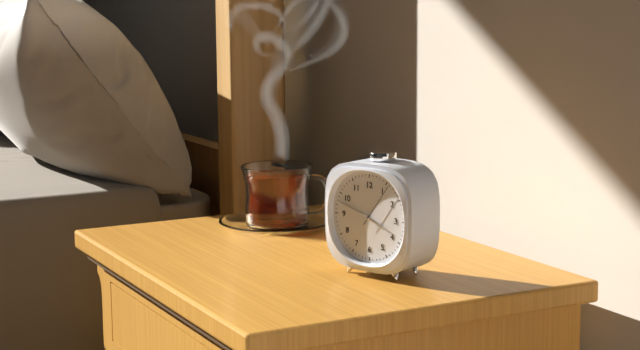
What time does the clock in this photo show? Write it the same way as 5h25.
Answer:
3h48
